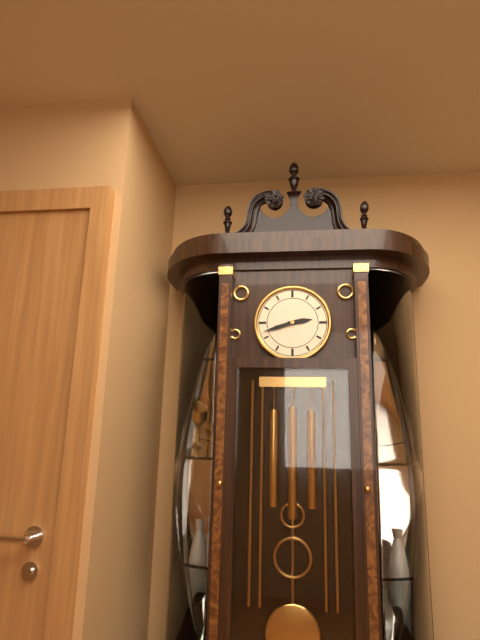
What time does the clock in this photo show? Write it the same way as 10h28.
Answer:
2h42
